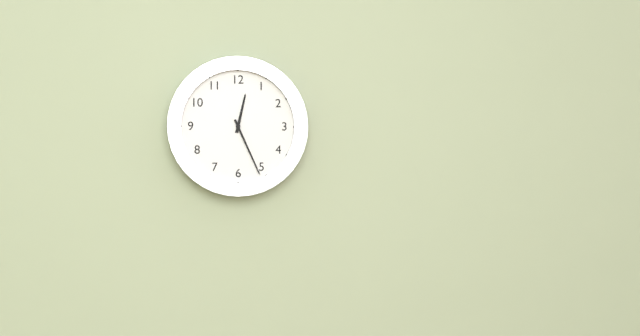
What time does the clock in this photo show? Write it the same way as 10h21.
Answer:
12h26
